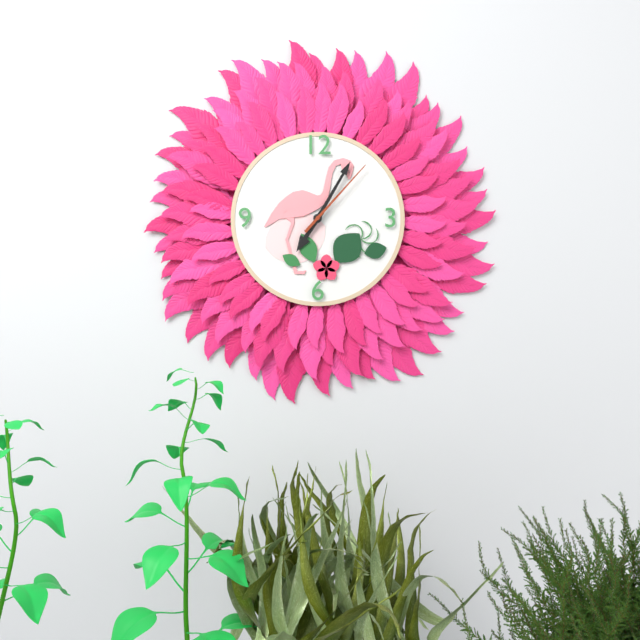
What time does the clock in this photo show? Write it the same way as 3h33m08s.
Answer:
7h05m07s
